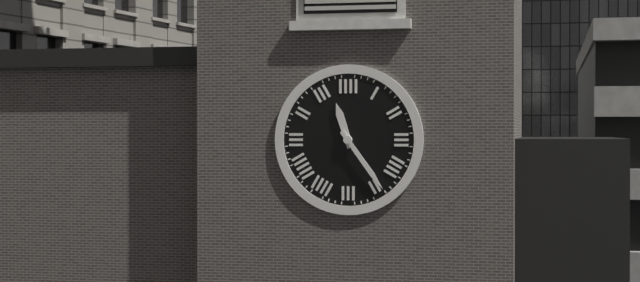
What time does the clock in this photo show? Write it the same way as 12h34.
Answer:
11h24
